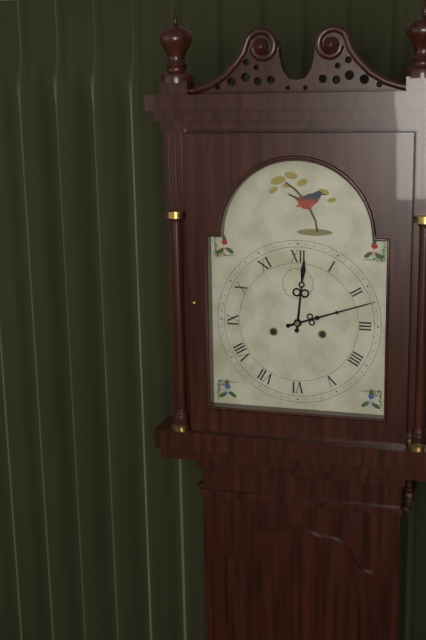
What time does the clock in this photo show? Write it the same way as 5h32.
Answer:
12h12
